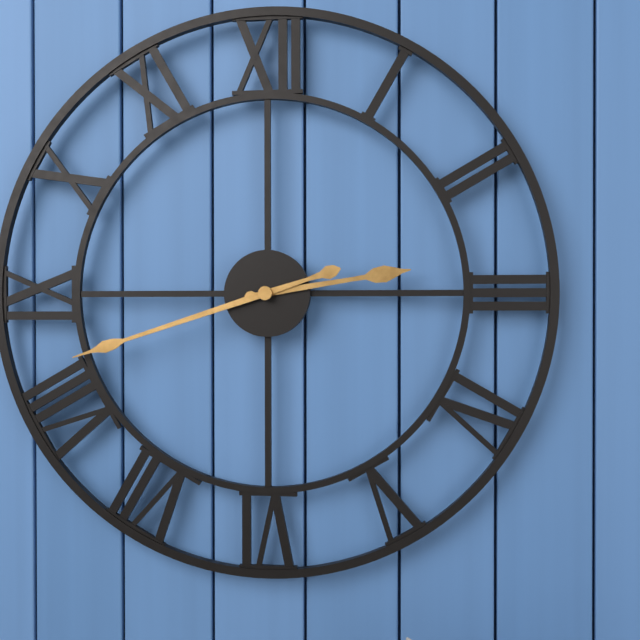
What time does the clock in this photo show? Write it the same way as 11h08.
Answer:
2h42
